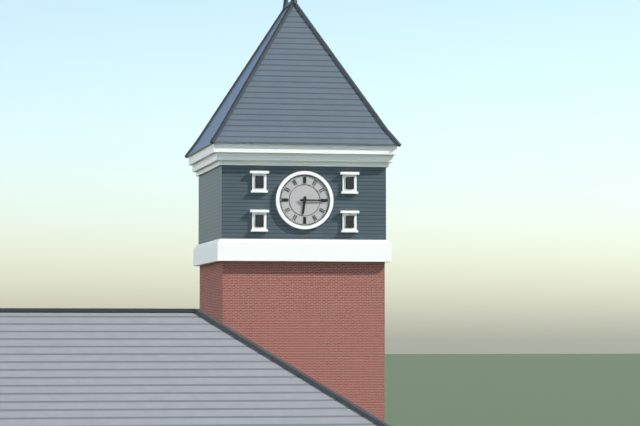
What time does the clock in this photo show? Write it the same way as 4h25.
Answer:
6h15
